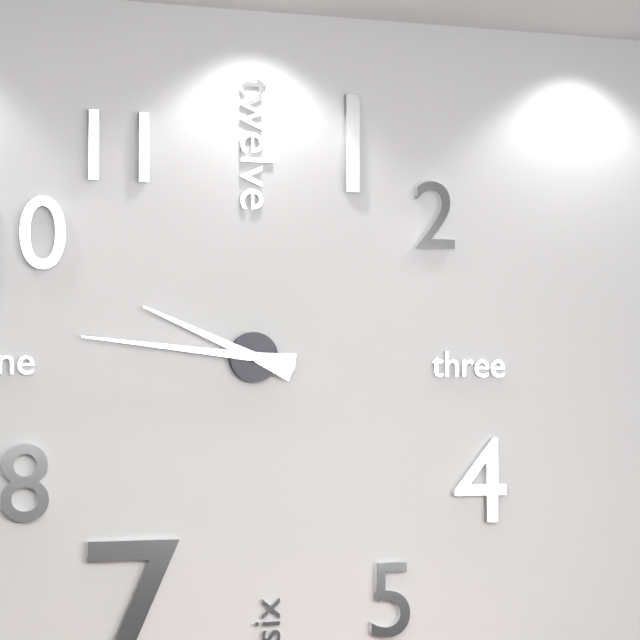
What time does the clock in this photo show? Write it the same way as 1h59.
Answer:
9h46
